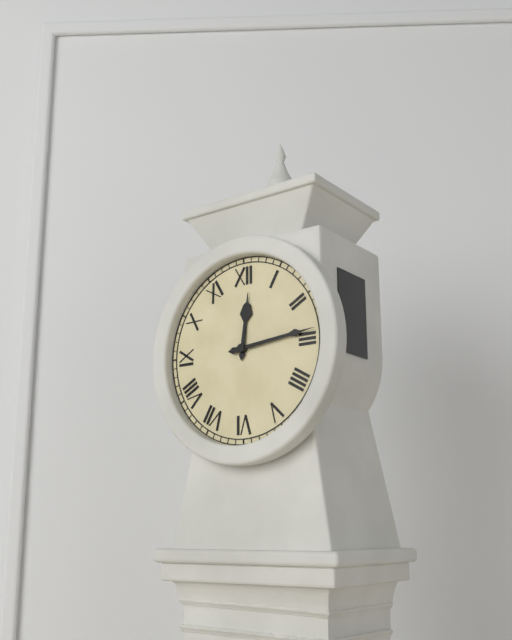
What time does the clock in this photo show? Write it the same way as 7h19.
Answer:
12h14
